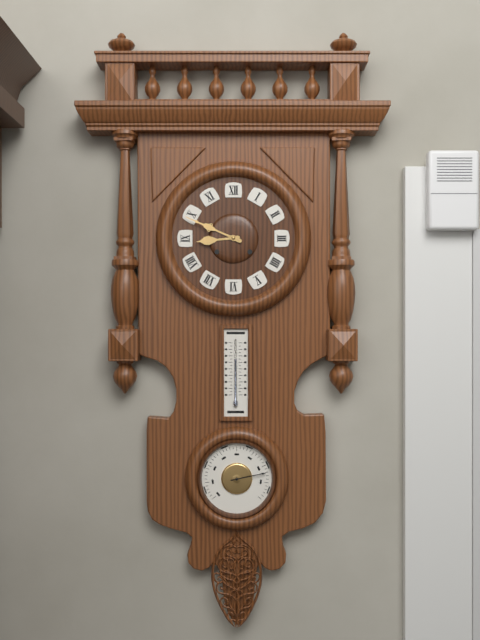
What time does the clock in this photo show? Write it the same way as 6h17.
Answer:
8h49
